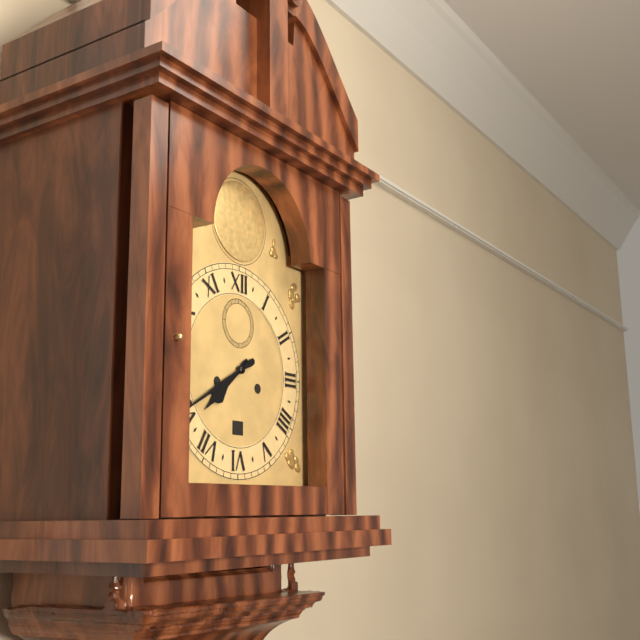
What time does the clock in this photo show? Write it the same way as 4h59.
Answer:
7h40
